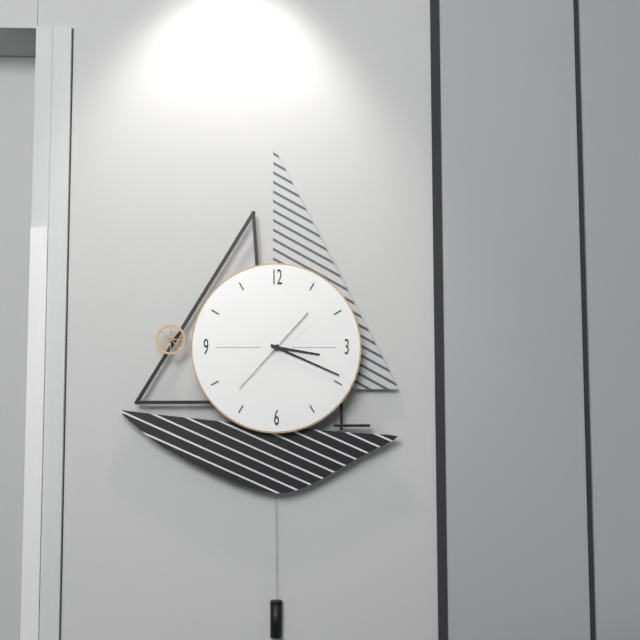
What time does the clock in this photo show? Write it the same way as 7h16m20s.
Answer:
3h19m37s
